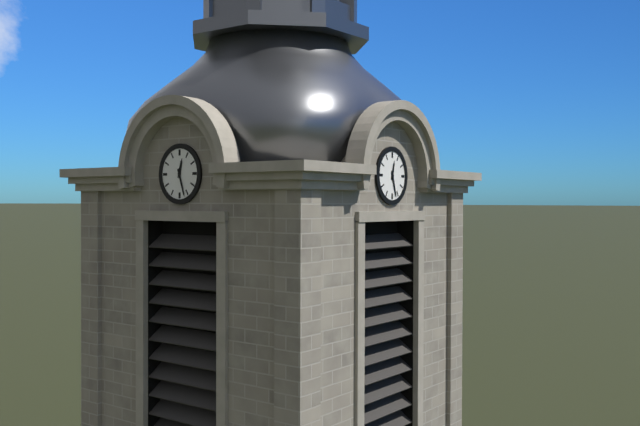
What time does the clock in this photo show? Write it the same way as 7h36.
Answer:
12h27
